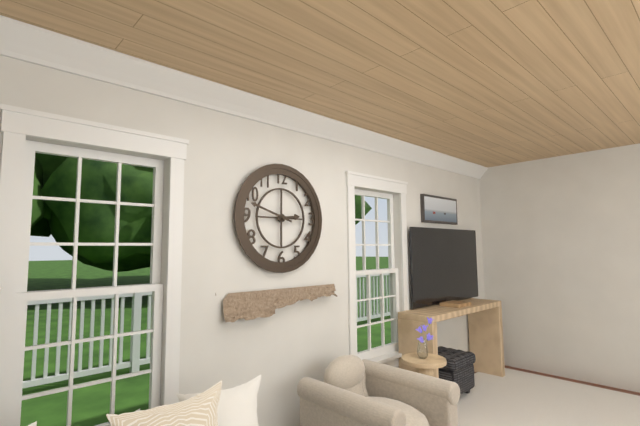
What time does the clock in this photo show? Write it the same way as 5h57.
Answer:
2h48
